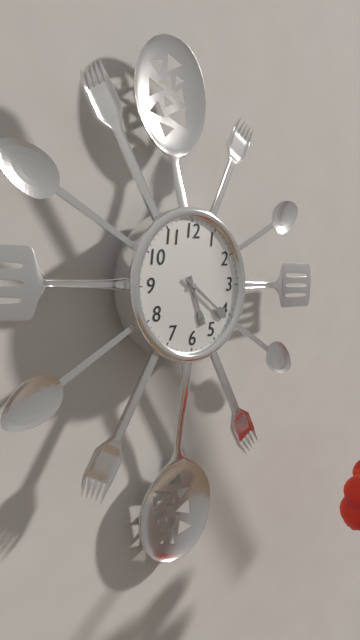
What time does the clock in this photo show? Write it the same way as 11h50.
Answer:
5h21
